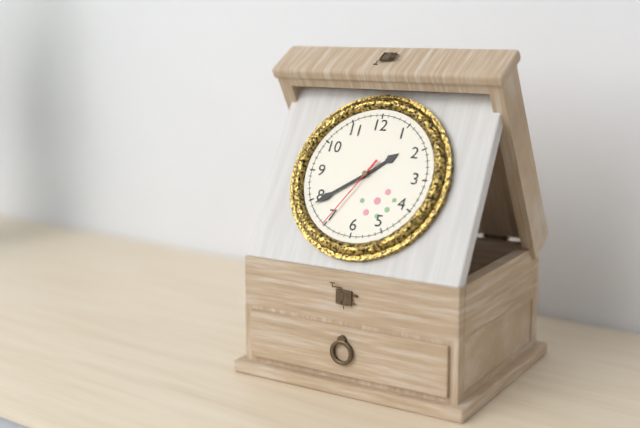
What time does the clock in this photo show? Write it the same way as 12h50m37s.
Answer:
1h39m35s
